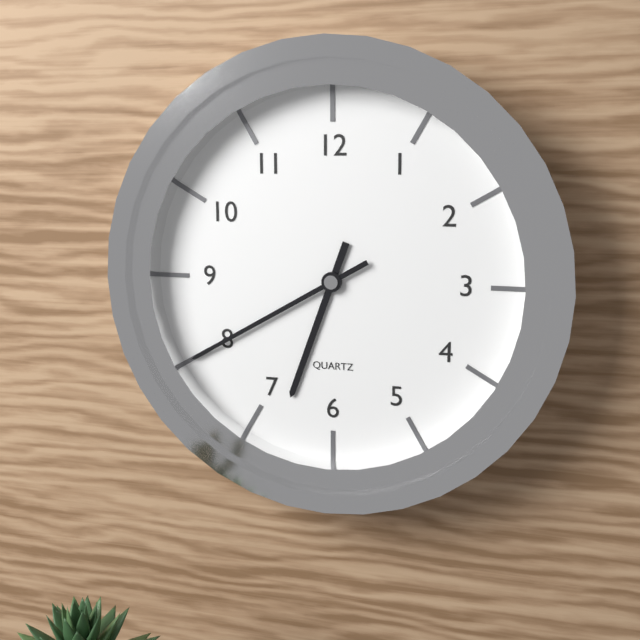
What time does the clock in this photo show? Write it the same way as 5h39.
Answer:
6h40
